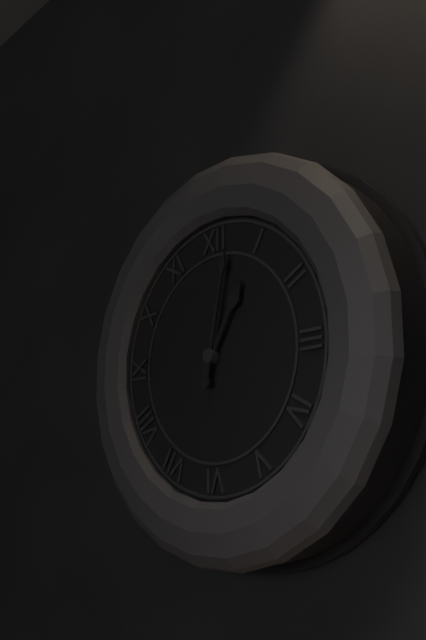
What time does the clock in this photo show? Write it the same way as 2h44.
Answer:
1h02
